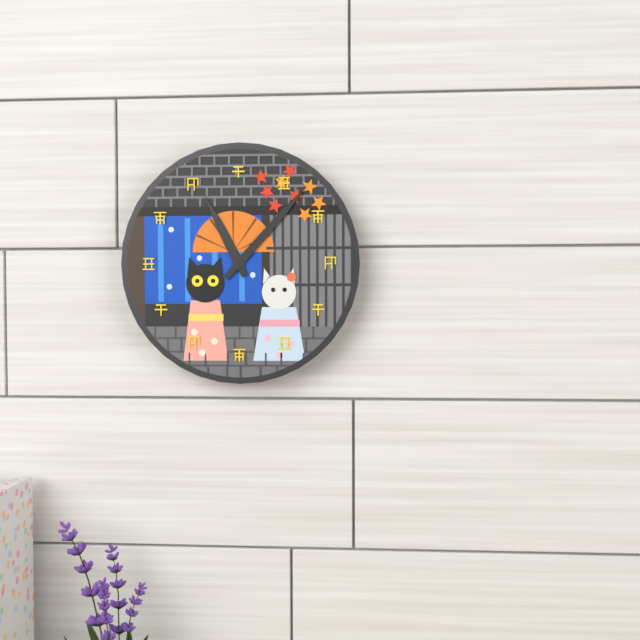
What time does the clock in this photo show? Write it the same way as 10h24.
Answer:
11h07
